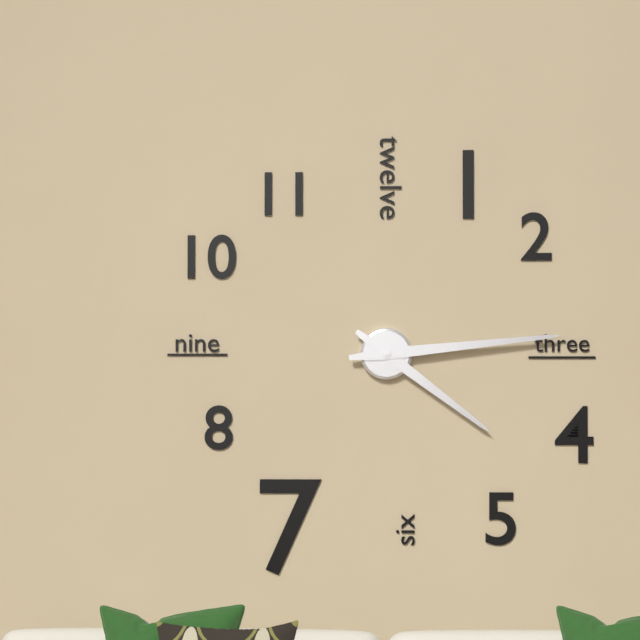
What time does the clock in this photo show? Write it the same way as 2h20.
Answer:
4h14
